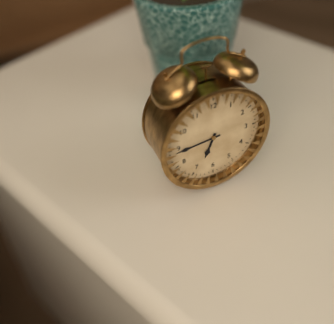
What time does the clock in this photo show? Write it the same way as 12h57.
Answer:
6h44
